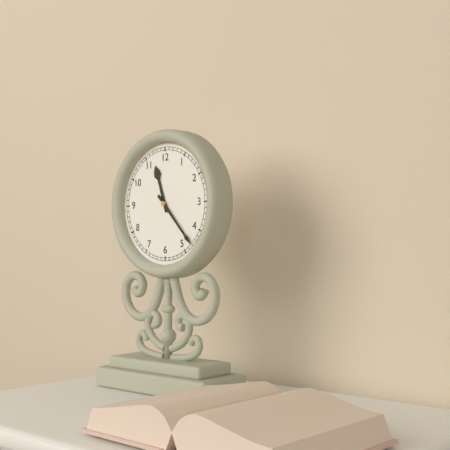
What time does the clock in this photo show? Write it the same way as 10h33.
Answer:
11h23
